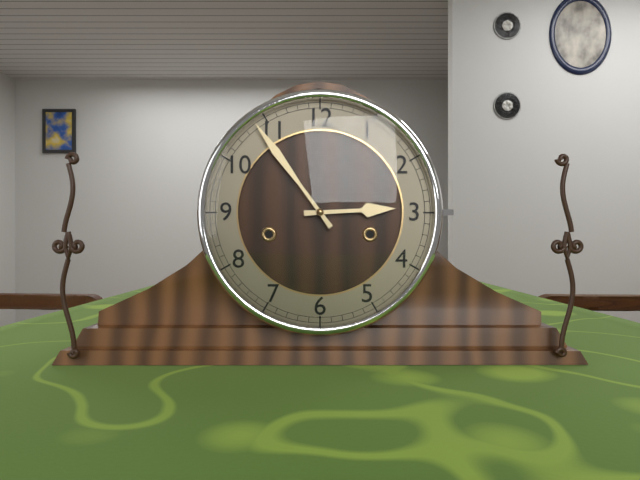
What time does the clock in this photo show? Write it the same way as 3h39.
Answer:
2h54
